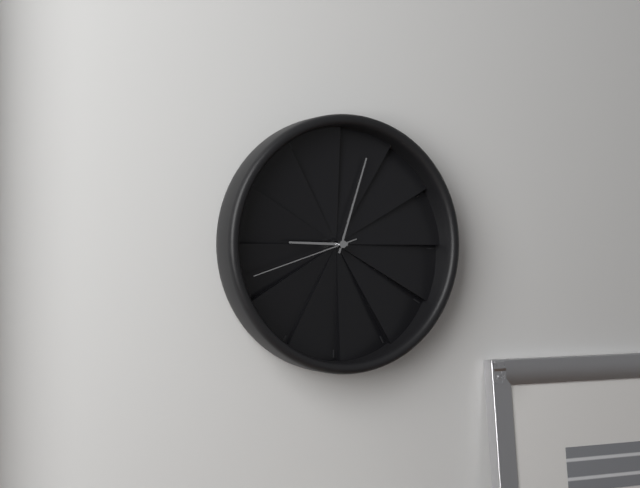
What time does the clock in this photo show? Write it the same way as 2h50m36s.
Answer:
9h03m42s
